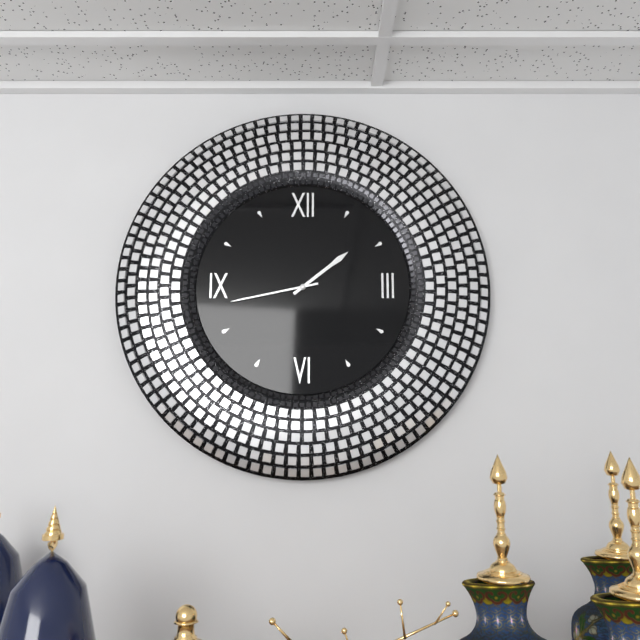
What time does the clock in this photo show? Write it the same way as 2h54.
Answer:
1h43
